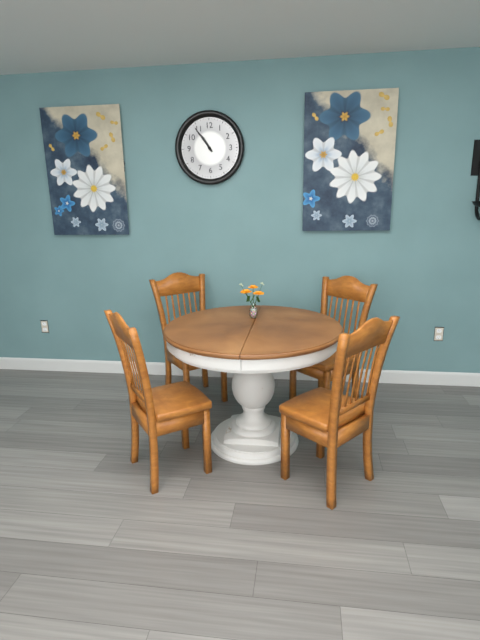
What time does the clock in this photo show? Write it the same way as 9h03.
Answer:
10h54
